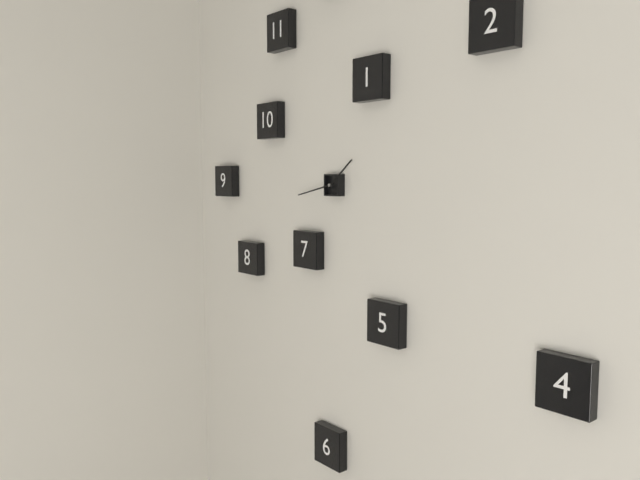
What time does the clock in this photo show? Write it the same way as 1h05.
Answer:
1h43
